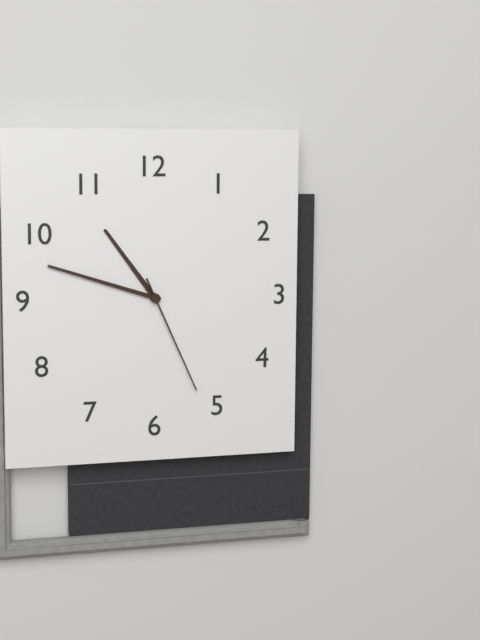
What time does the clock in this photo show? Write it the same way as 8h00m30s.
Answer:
10h48m26s
